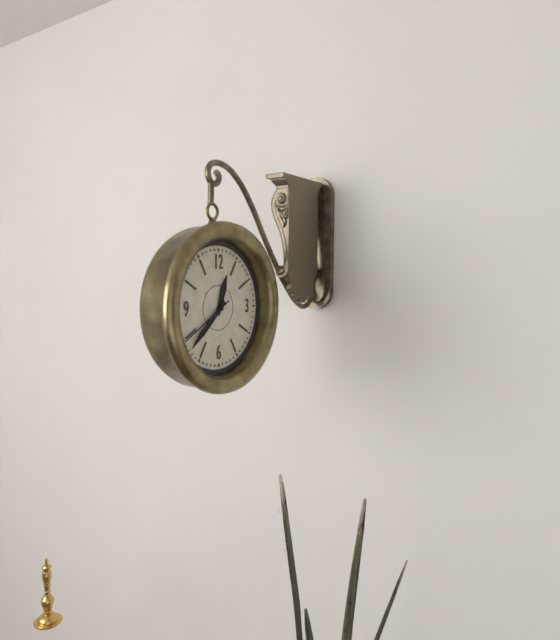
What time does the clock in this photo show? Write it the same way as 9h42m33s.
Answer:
12h38m40s
